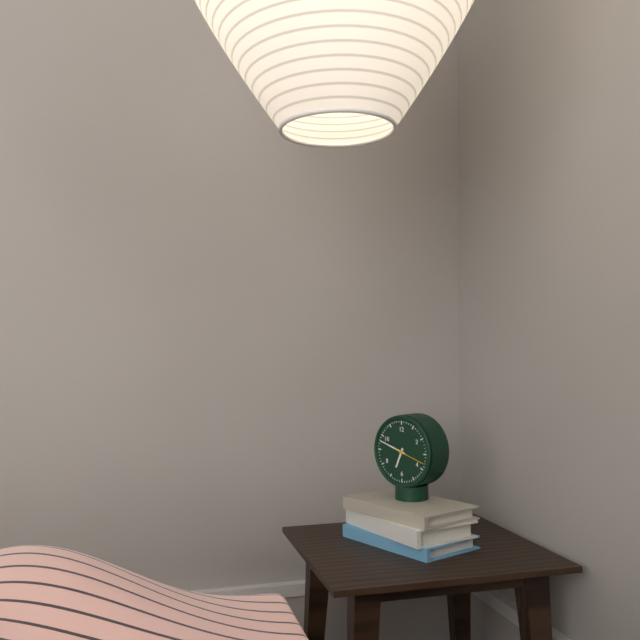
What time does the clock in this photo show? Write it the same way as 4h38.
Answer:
6h48
